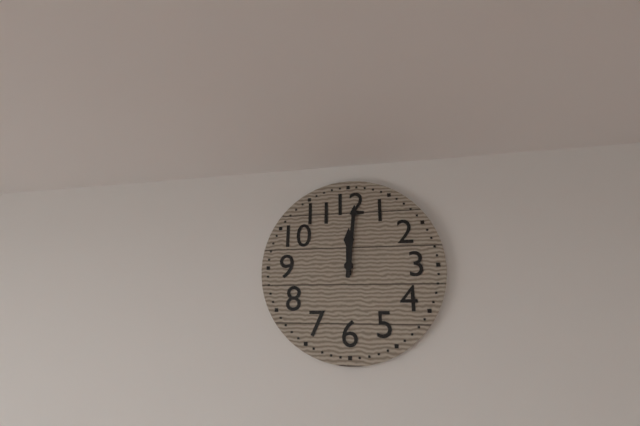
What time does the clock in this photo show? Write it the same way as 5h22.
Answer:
12h01
